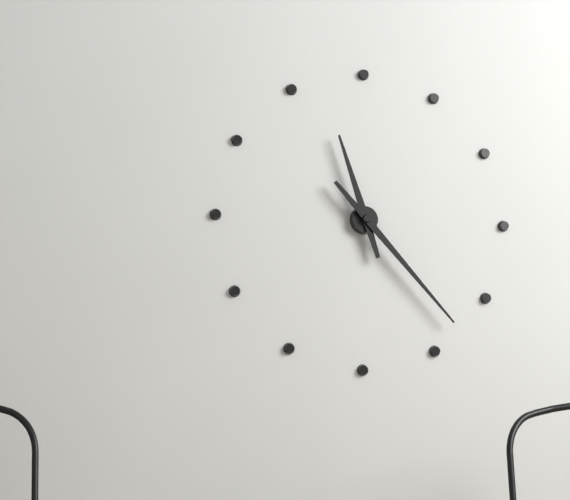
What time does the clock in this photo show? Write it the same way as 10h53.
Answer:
11h23
